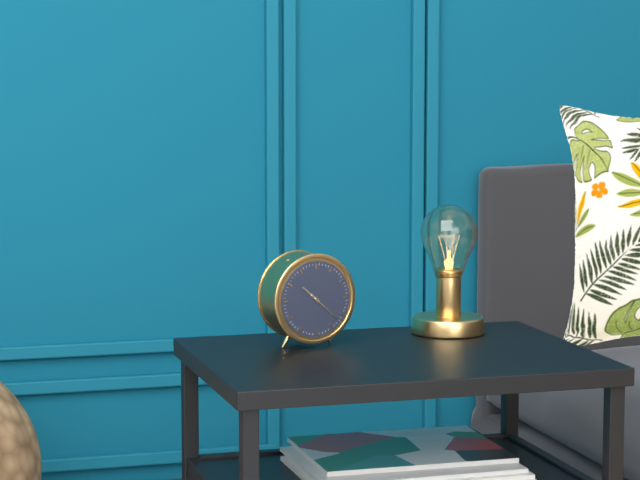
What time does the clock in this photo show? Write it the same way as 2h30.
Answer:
10h22
